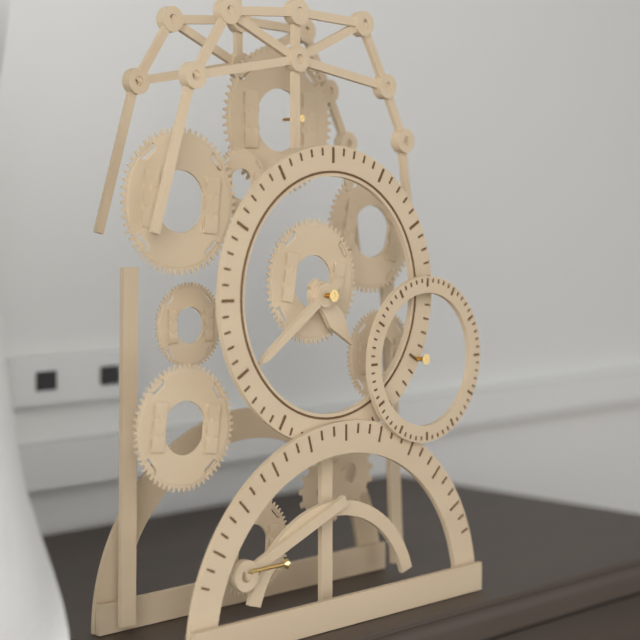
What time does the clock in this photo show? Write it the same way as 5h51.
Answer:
4h39
